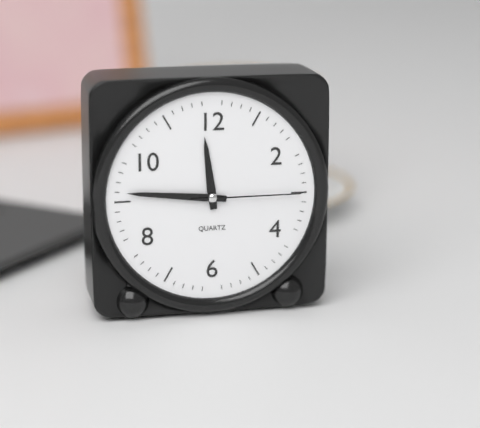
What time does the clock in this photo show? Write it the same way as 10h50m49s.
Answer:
11h46m15s
